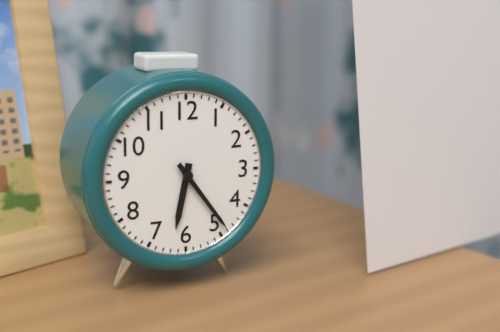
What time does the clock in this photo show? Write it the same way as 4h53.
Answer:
6h24
